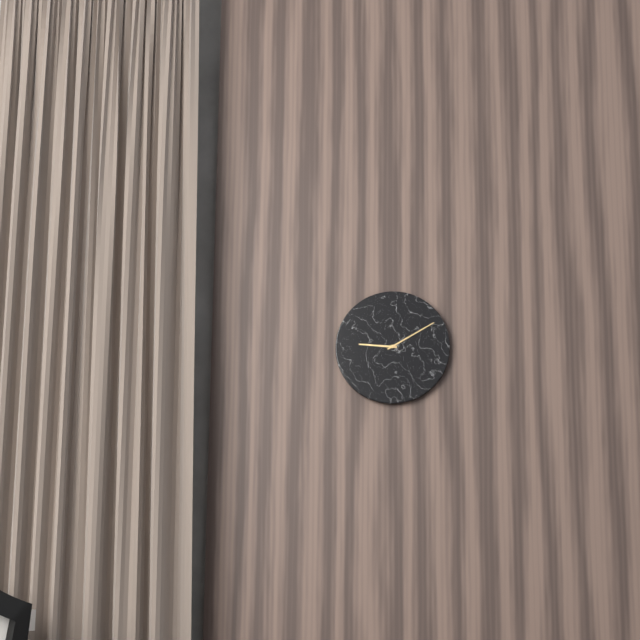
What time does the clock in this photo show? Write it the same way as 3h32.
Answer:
9h10
